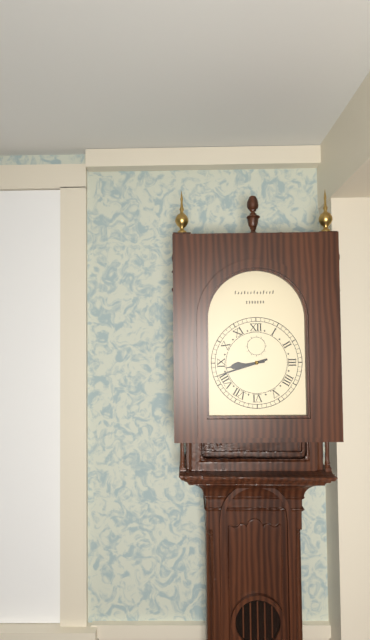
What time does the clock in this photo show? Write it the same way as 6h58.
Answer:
8h42
